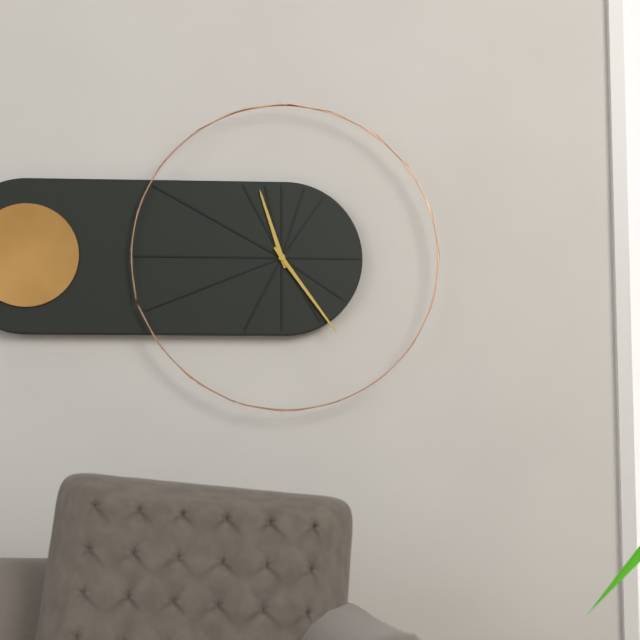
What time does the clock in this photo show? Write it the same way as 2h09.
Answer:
11h24
